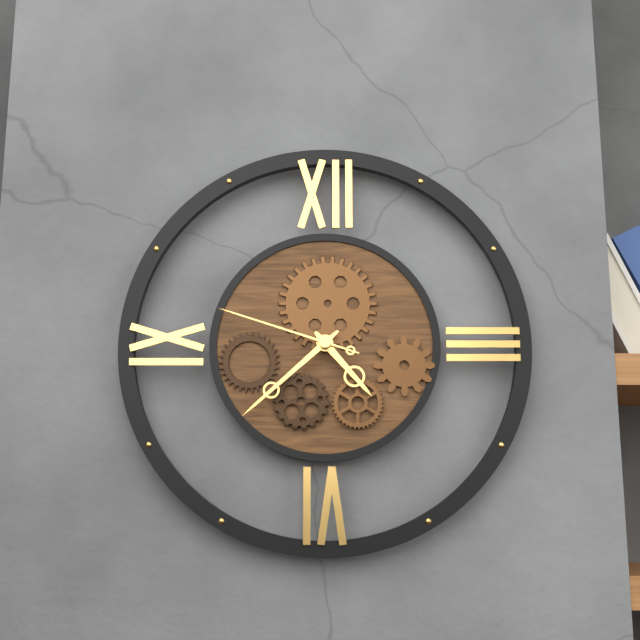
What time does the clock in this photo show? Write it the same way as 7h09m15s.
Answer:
4h38m48s
